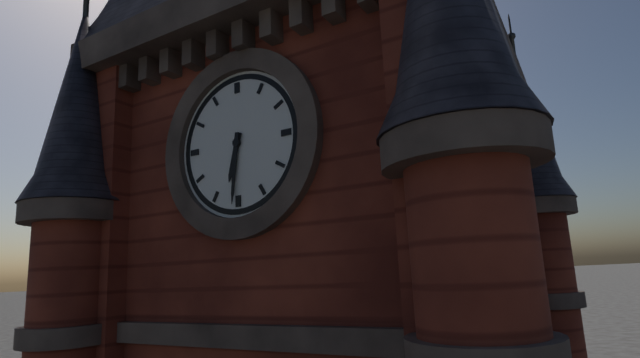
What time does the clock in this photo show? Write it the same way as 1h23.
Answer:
6h31
